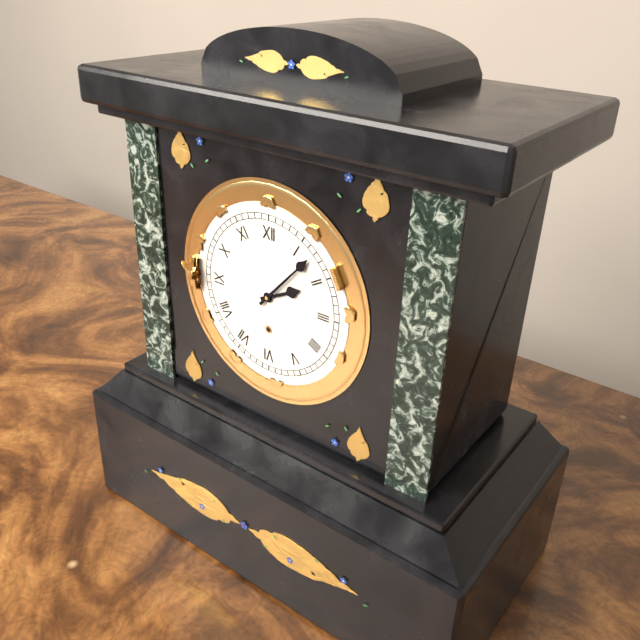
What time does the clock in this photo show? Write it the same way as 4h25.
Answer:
2h07
